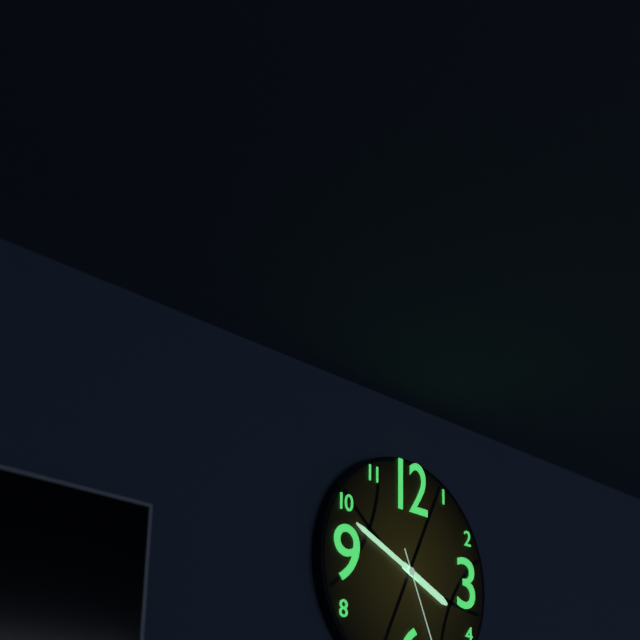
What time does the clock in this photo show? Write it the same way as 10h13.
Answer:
3h49
